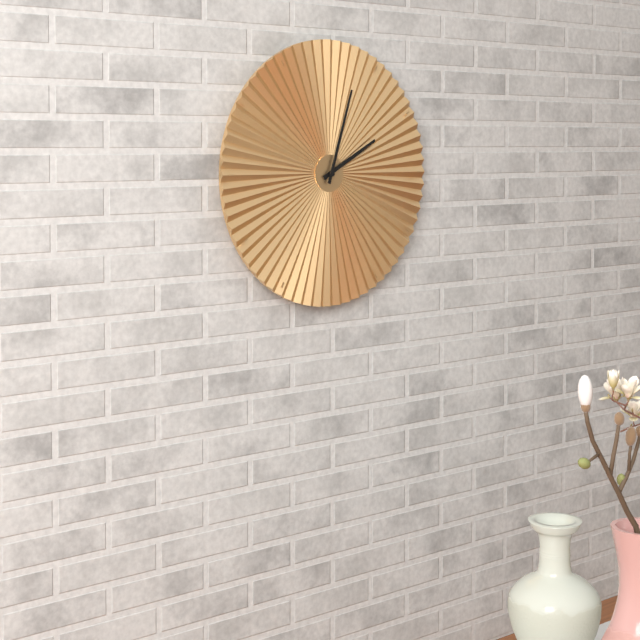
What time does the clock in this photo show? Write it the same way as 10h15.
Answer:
2h03
